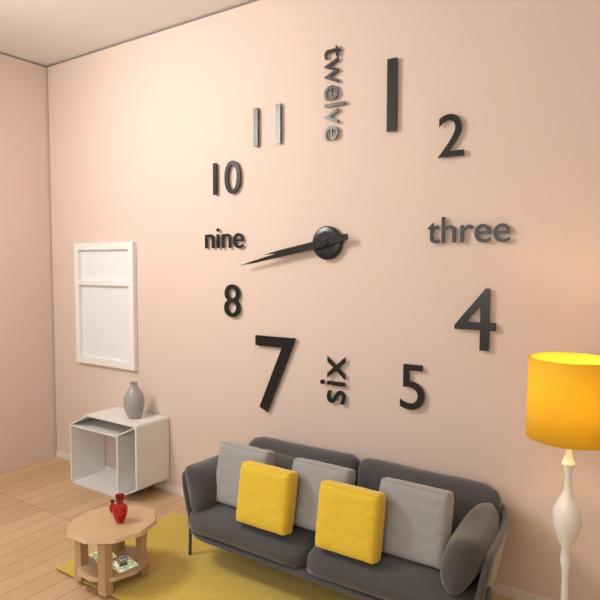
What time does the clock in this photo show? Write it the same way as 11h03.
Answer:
8h43
